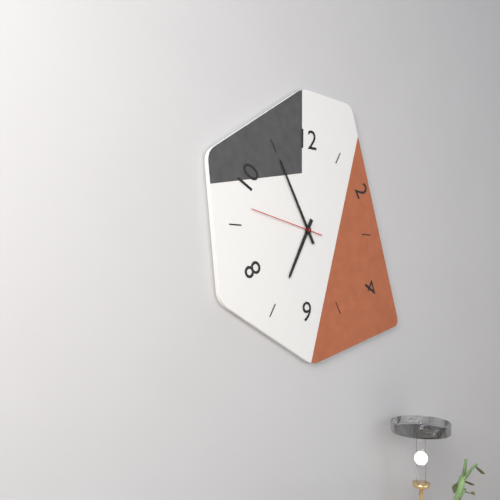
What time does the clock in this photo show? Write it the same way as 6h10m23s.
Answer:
6h55m47s
